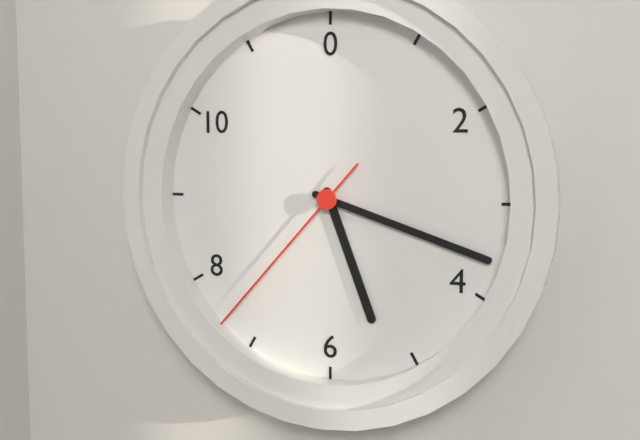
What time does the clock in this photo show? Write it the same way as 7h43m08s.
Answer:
5h18m37s
